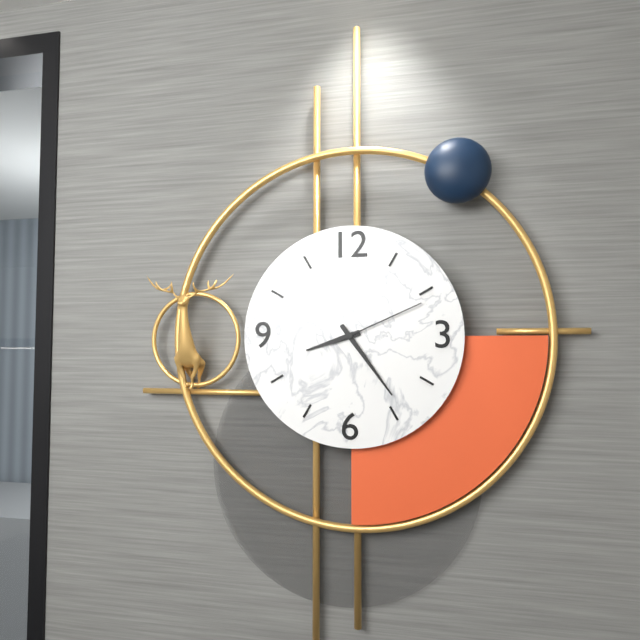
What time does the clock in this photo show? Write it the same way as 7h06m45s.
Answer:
8h24m11s
